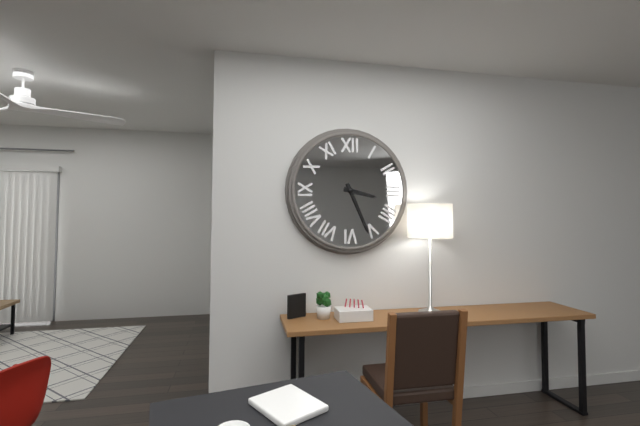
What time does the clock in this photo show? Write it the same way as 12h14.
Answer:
3h26
